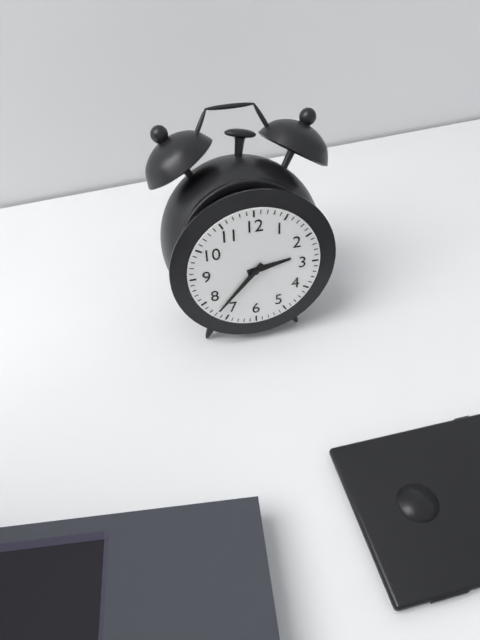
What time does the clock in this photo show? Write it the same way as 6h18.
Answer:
2h37
